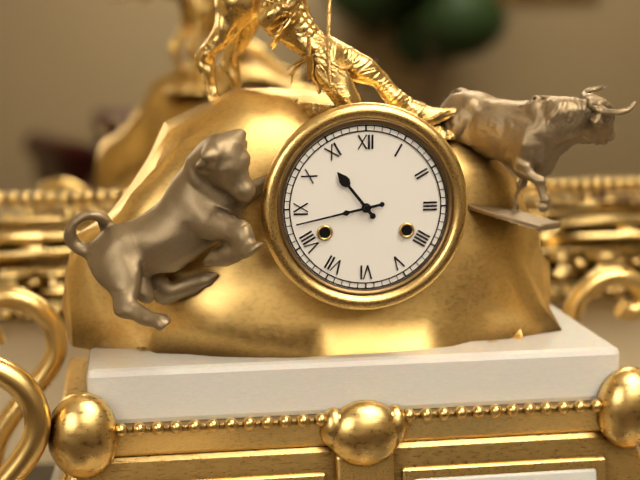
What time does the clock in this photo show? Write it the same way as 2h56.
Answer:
10h43
